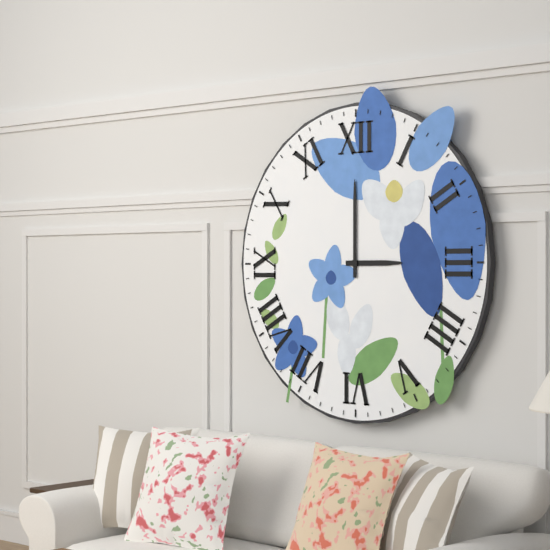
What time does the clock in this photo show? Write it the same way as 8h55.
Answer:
3h00
